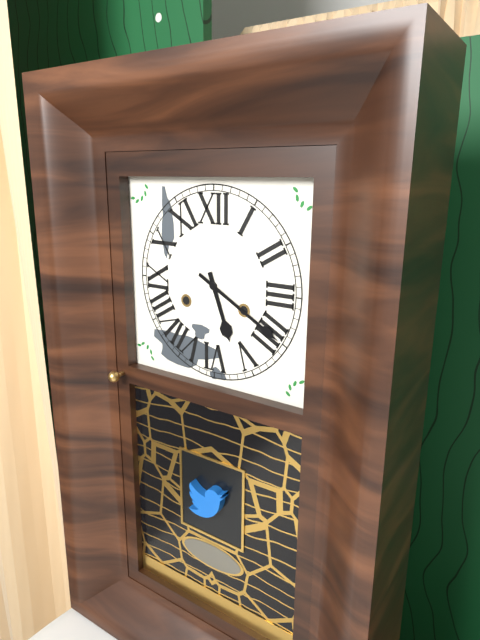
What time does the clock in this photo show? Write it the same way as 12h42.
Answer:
5h20
